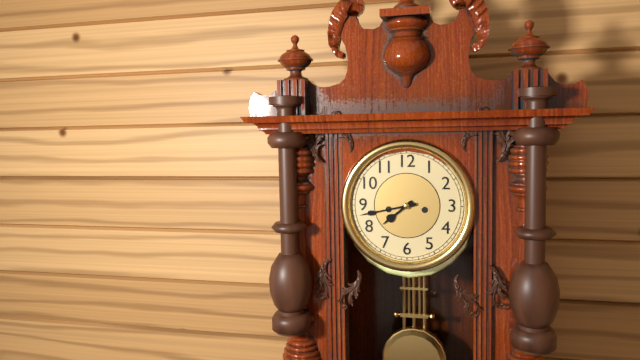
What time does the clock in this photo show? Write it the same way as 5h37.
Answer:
7h43
